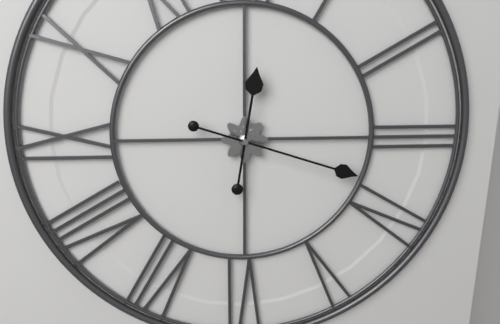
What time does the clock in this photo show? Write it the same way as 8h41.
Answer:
12h18
